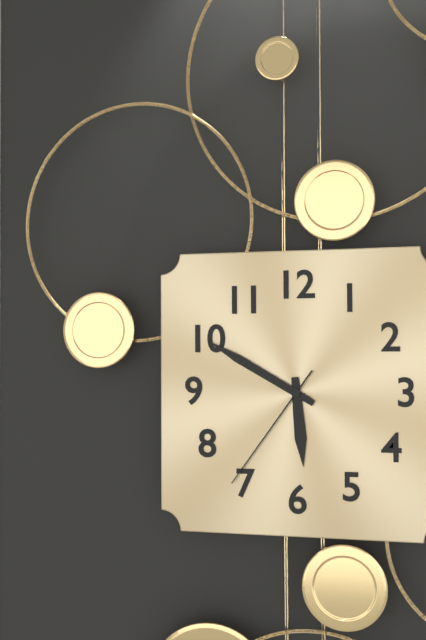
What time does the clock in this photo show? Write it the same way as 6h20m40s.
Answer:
5h50m36s
